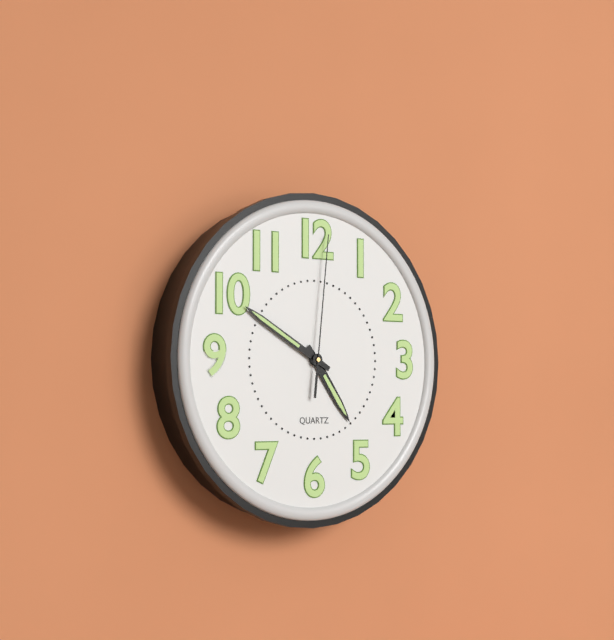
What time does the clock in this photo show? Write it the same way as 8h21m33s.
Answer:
4h50m01s
